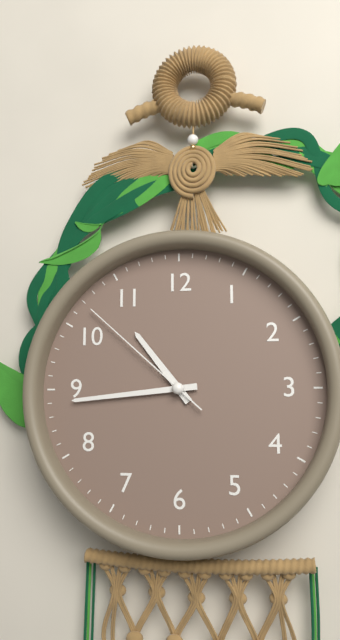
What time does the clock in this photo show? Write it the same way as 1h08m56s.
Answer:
10h44m52s
